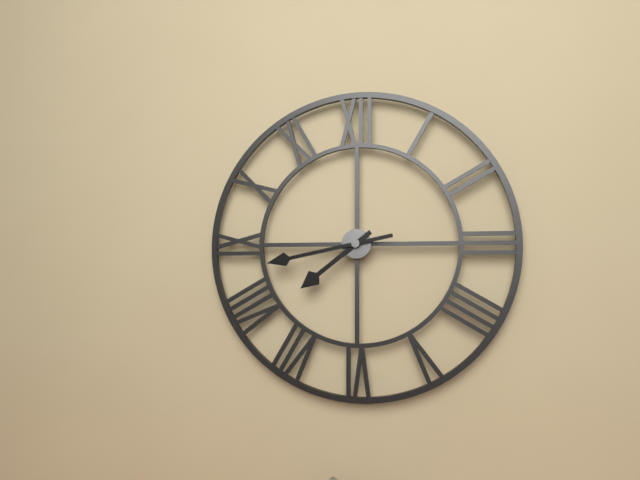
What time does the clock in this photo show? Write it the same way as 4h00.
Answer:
7h43
